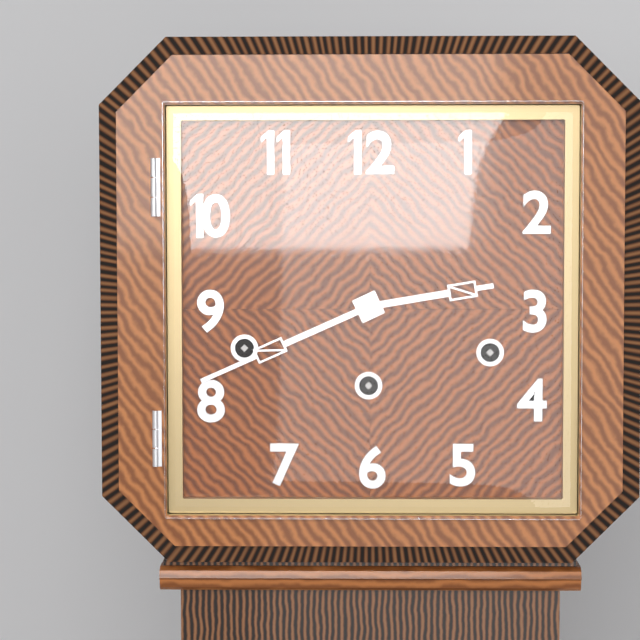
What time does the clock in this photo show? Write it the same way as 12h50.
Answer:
2h41
